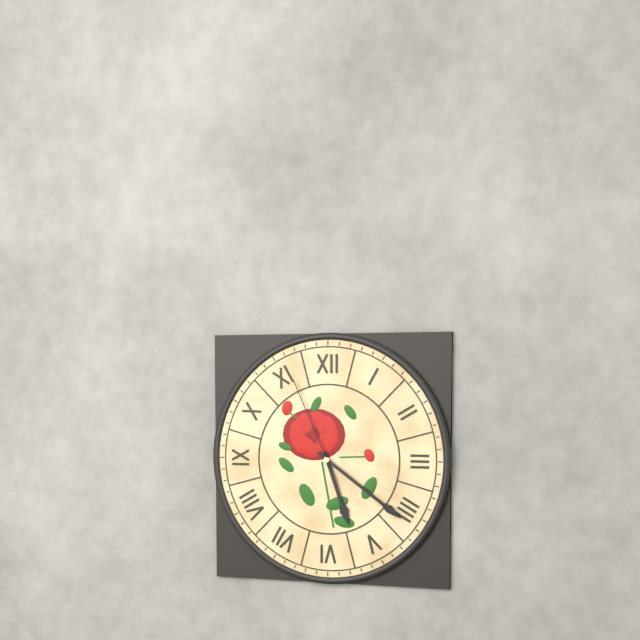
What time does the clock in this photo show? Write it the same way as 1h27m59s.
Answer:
5h21m56s
